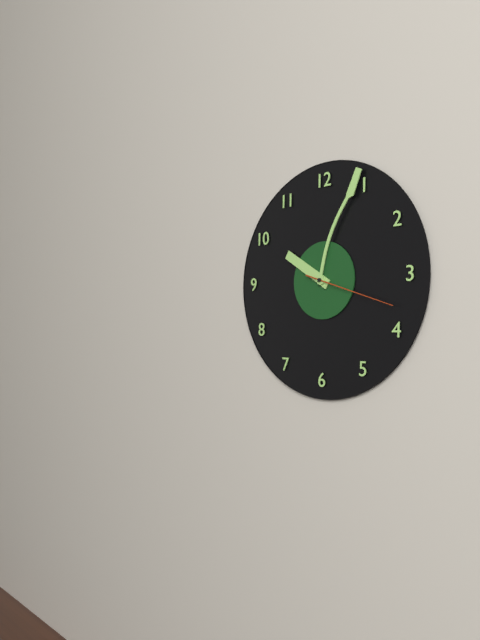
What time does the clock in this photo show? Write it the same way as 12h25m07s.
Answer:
10h04m18s
